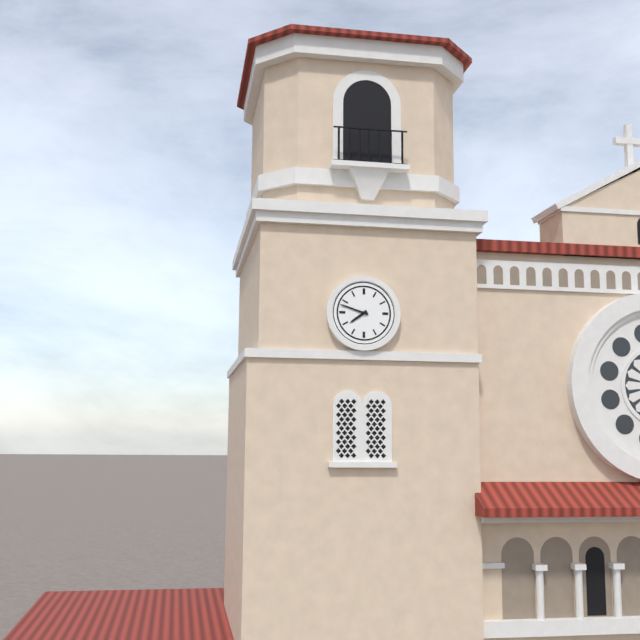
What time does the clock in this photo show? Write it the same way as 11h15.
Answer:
7h48
